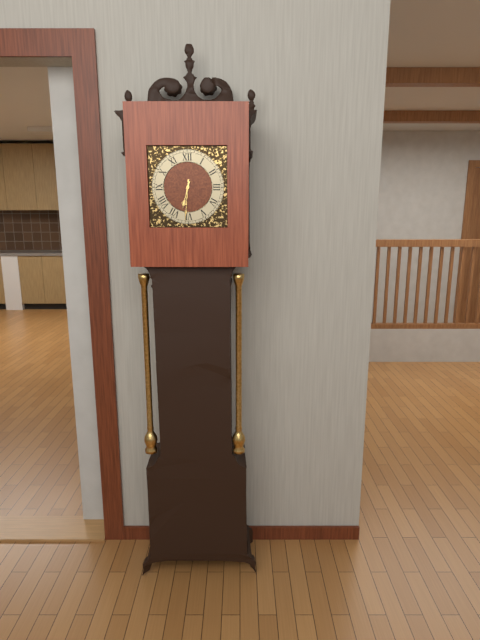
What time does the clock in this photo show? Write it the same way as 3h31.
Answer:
6h31
